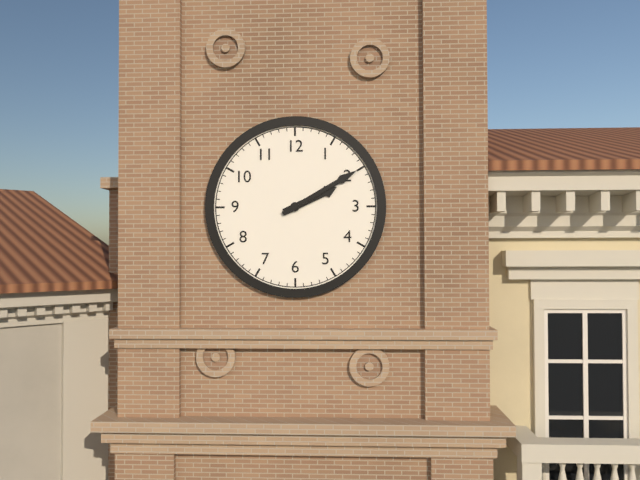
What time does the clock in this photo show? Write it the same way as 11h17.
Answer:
2h10
